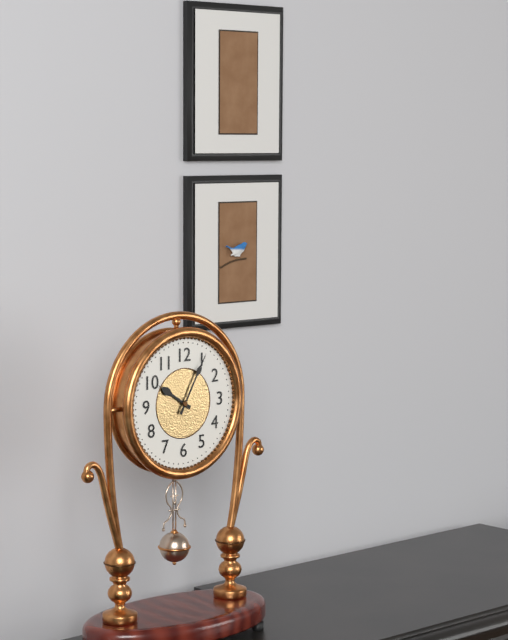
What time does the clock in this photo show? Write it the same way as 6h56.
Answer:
10h05
